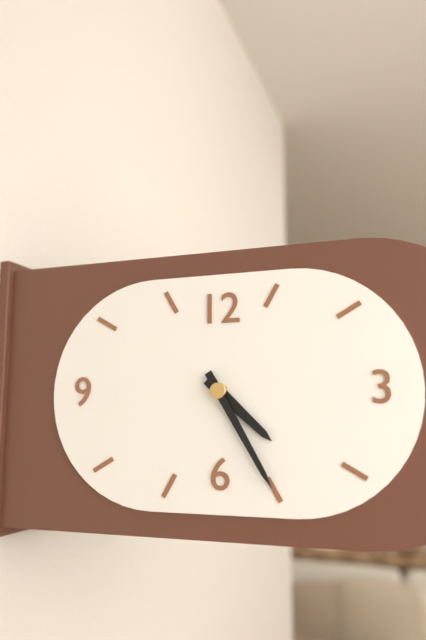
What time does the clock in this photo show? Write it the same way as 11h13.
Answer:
4h25
